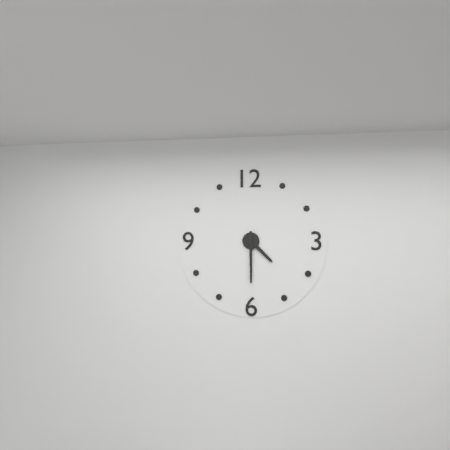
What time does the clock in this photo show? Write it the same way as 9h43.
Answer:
4h30
